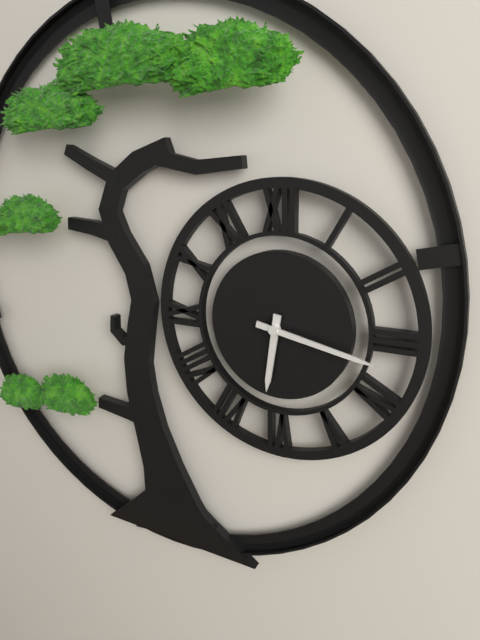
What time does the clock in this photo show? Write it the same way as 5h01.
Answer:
6h17
